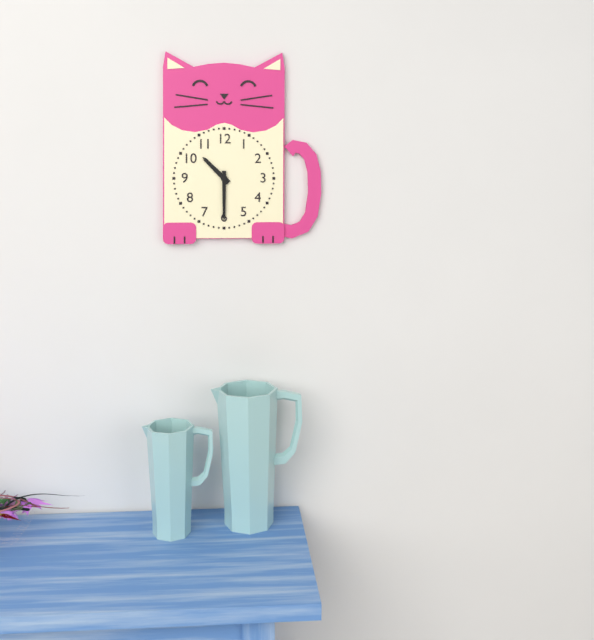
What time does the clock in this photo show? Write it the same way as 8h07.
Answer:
10h30
